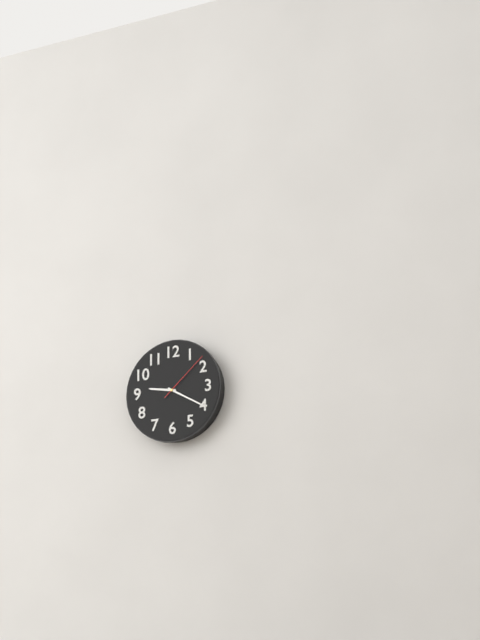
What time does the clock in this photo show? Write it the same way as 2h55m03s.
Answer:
9h20m08s
